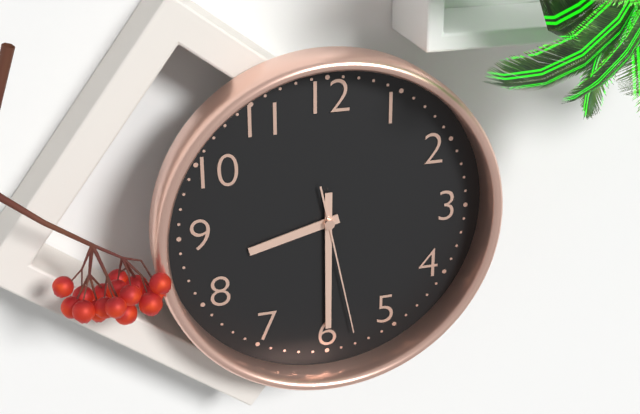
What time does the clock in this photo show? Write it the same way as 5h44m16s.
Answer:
8h30m28s
